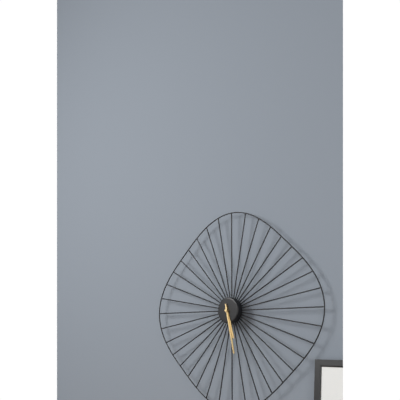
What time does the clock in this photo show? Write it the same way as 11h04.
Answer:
5h28
